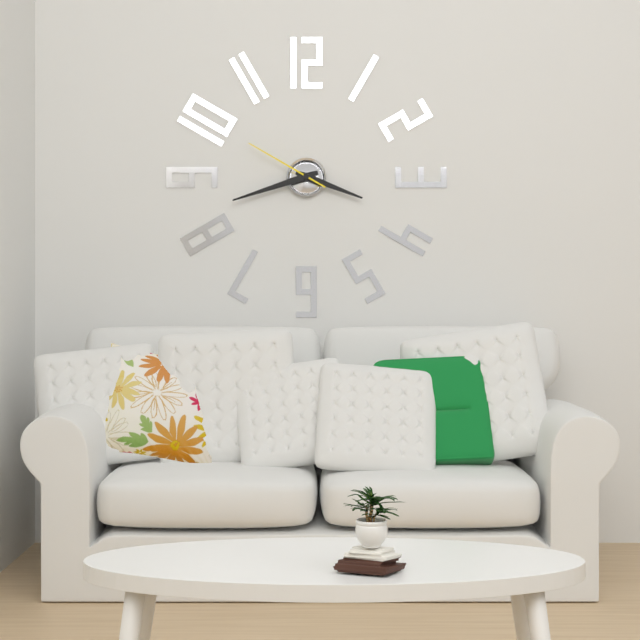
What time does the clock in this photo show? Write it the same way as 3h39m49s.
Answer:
3h42m50s
